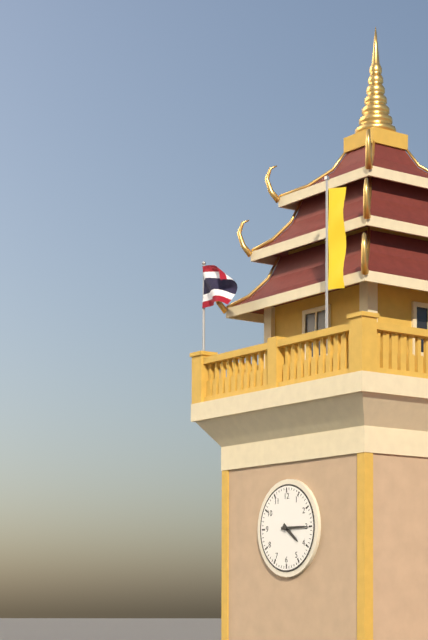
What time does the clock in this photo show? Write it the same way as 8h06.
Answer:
4h15
